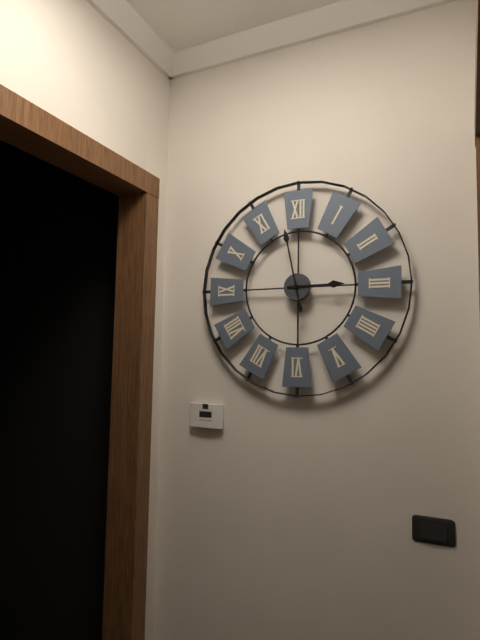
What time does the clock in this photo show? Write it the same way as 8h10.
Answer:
2h58
